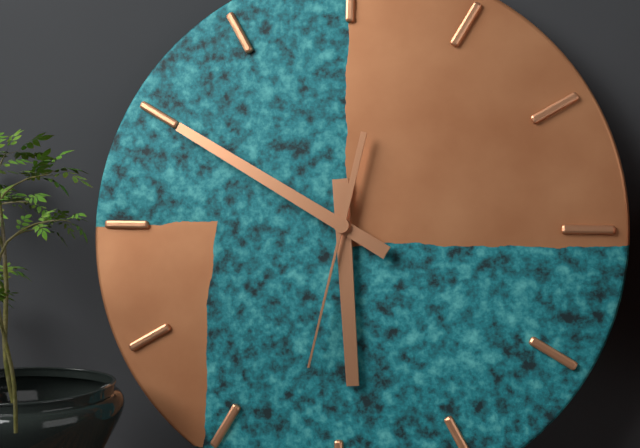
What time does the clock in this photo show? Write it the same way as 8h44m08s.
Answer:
5h50m32s
